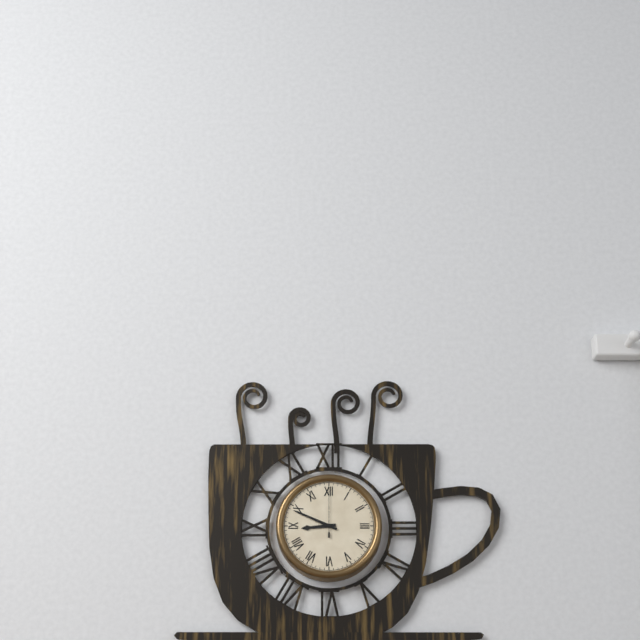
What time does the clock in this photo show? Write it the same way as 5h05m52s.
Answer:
8h49m00s
